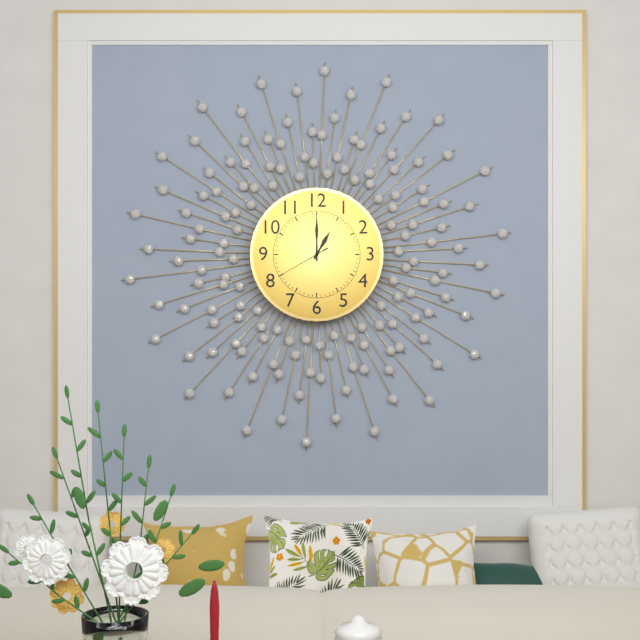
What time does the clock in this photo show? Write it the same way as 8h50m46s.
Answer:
1h00m40s
